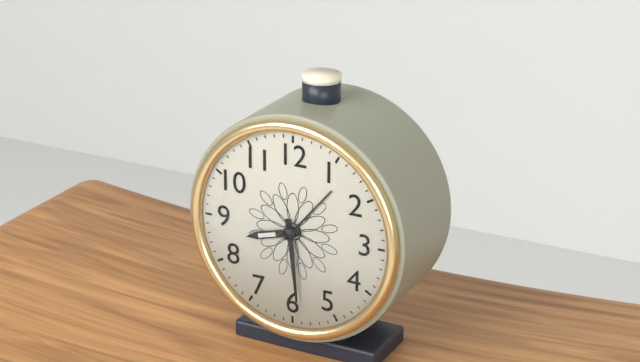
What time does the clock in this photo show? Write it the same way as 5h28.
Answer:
8h29
